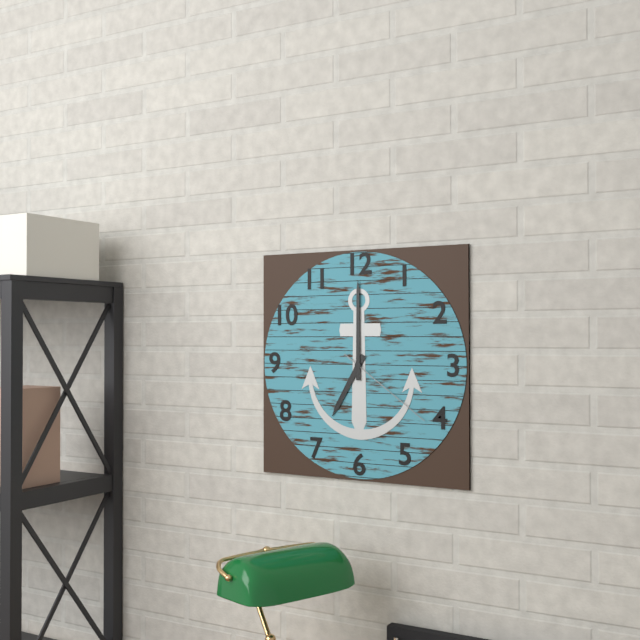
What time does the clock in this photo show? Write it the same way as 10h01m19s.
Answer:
7h00m21s
